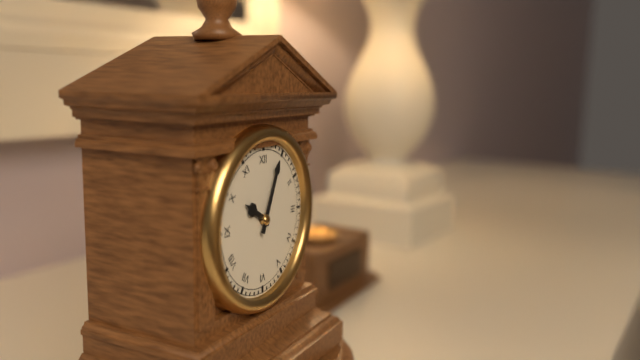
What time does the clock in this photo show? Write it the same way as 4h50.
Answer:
10h04
